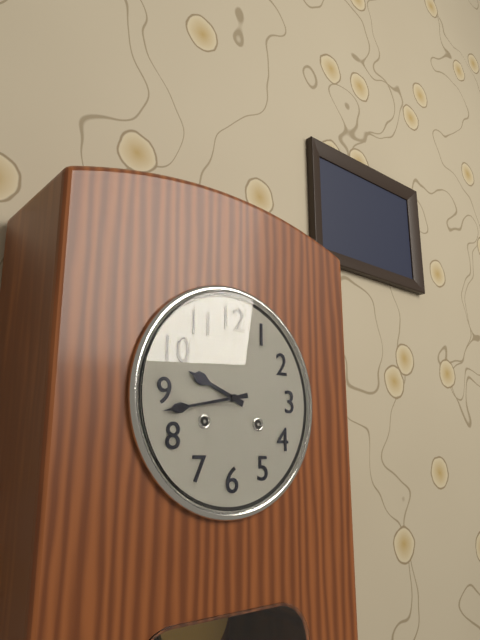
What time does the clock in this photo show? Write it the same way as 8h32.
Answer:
9h43
